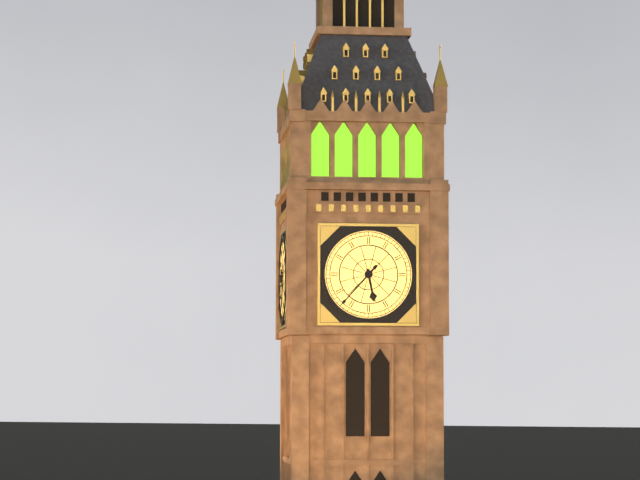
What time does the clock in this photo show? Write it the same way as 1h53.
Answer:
5h37
